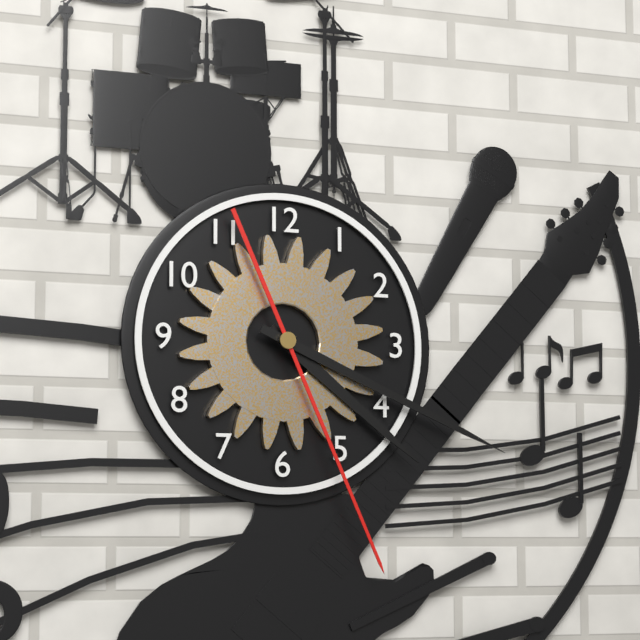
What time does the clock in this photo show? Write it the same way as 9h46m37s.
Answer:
4h19m26s
